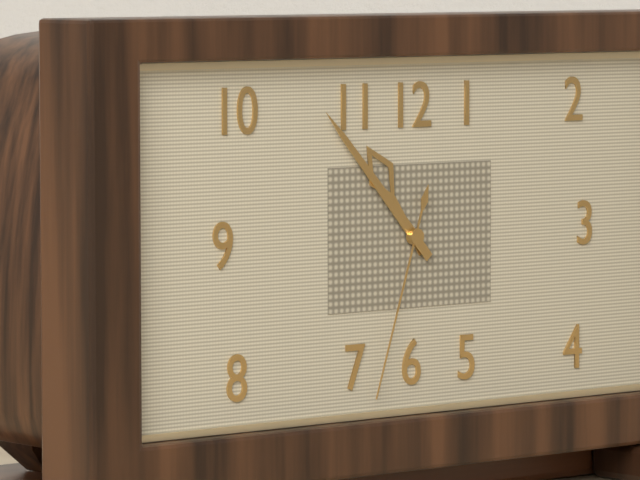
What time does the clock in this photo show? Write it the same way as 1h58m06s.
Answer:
10h53m33s
